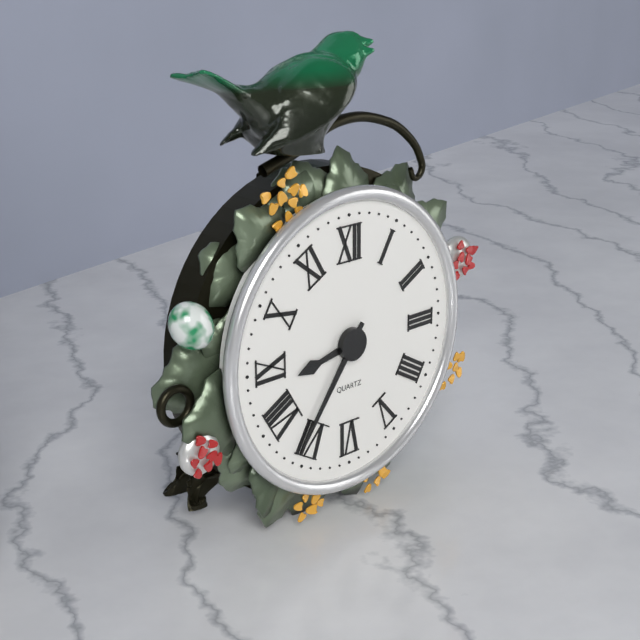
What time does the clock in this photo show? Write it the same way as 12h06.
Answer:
8h36
